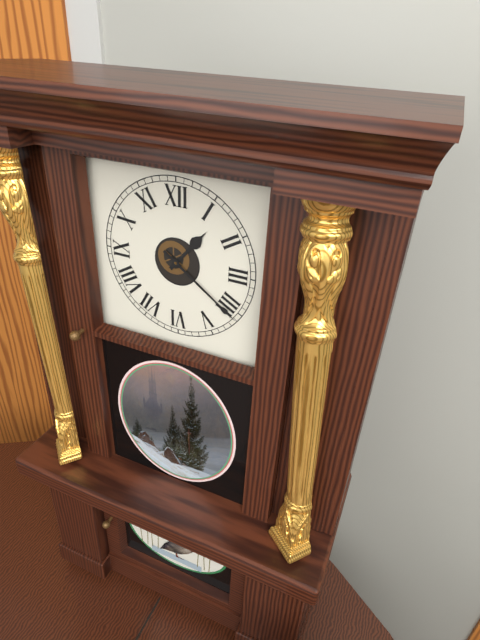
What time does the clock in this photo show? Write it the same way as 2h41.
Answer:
1h21
